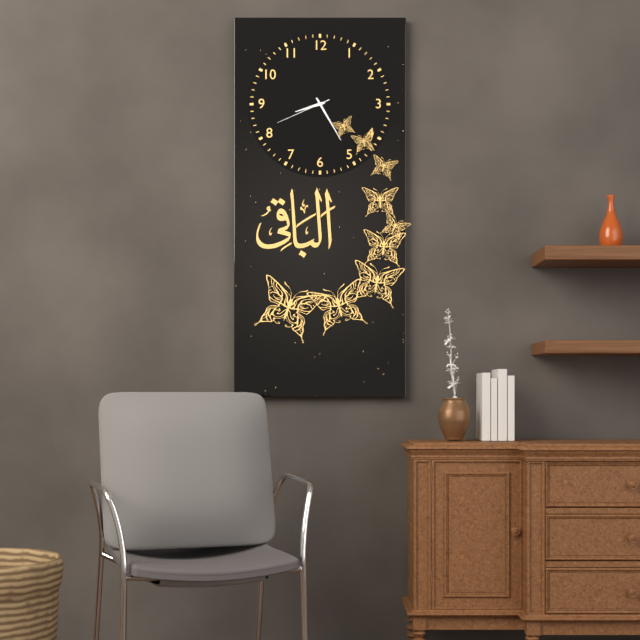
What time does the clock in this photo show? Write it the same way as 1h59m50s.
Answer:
8h25m41s
